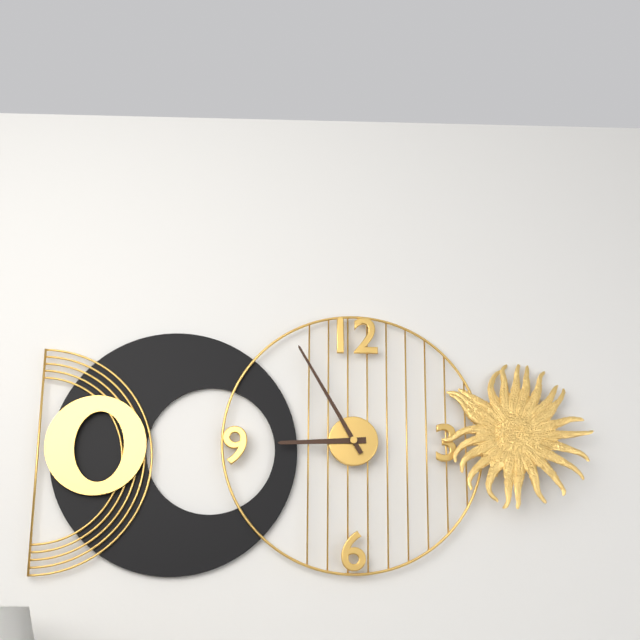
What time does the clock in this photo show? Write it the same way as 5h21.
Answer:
8h55
